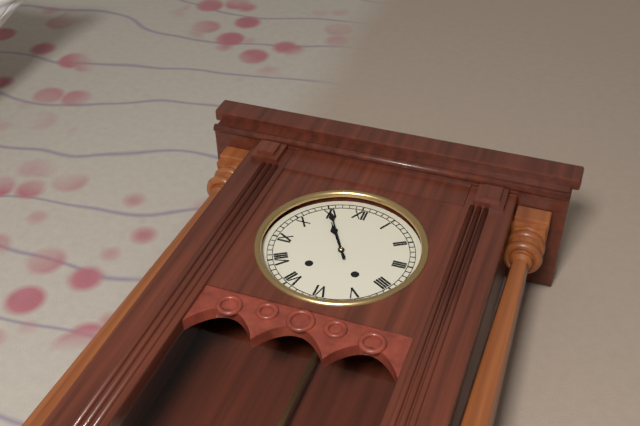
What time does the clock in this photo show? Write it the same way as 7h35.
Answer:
10h55
